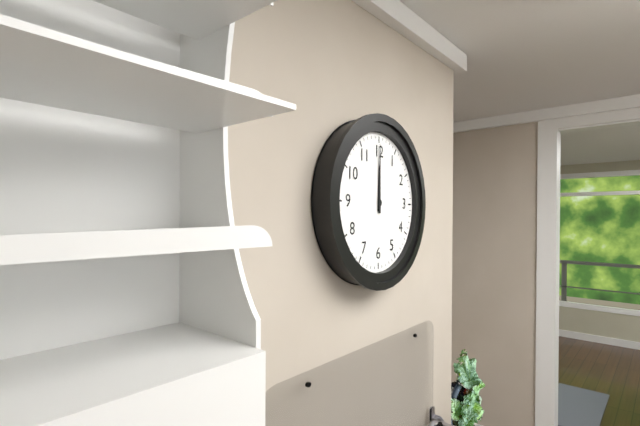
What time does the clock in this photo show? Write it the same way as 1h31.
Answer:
12h00
